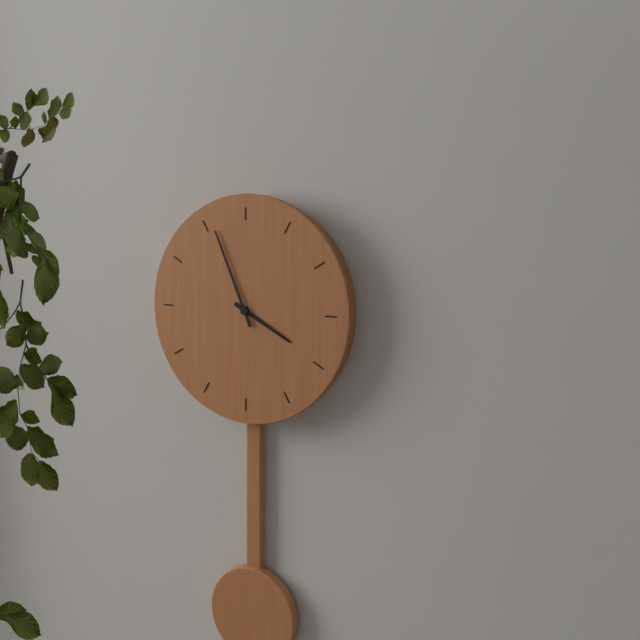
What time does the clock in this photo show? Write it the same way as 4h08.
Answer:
3h56
